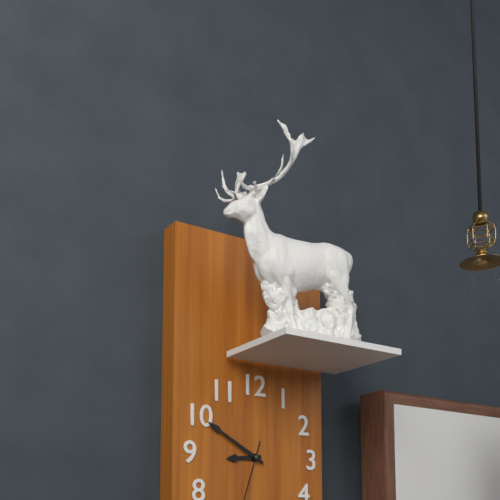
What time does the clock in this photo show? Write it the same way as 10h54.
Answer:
8h50
